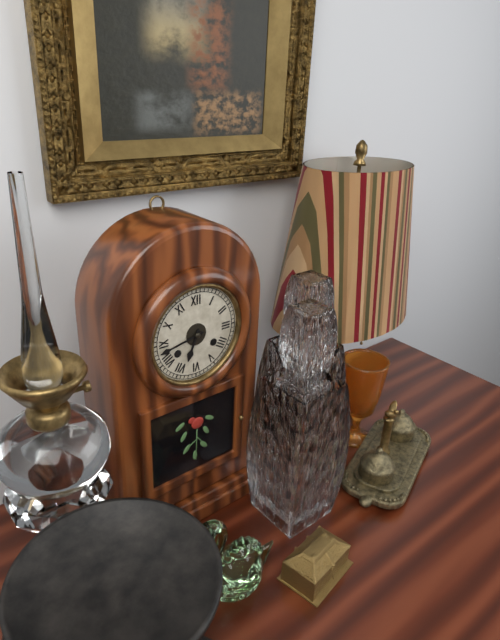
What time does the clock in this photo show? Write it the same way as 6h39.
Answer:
6h43
